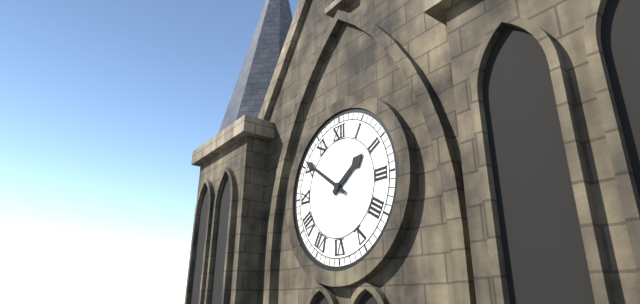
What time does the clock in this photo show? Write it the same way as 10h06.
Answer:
1h51
